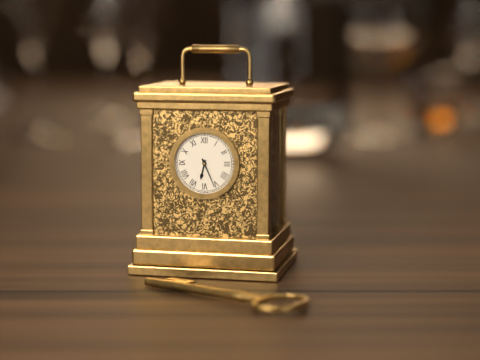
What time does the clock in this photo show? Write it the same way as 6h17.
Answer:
6h26
